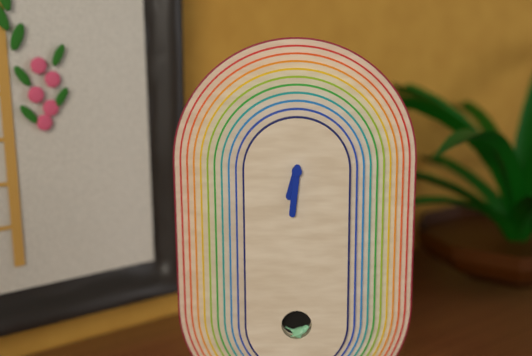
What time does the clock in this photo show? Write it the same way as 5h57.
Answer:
6h31
